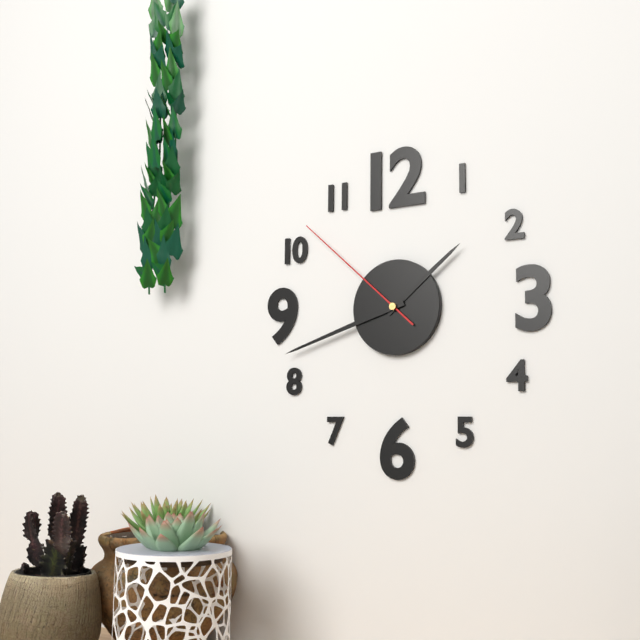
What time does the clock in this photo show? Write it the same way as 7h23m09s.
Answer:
1h42m52s
